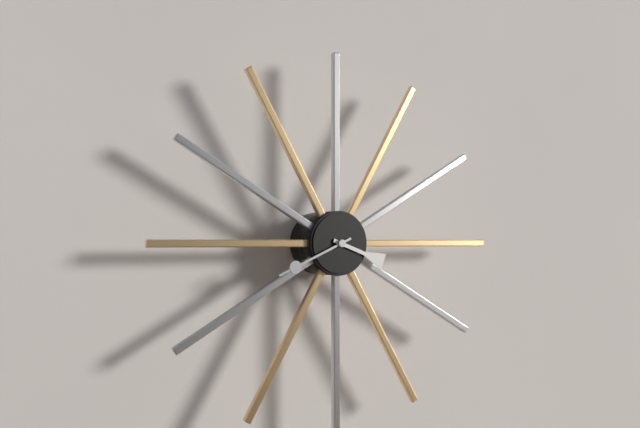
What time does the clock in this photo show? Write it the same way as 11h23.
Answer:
3h41
